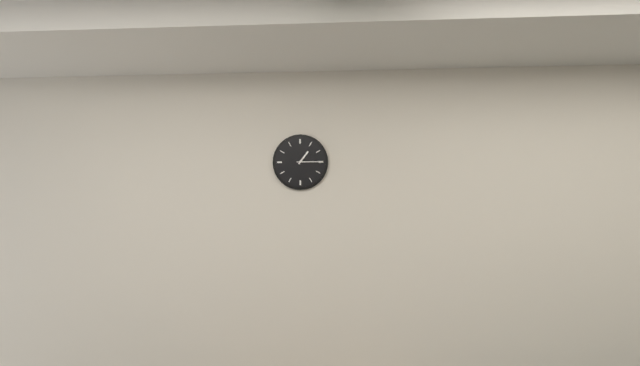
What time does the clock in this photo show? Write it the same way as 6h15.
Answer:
1h15
